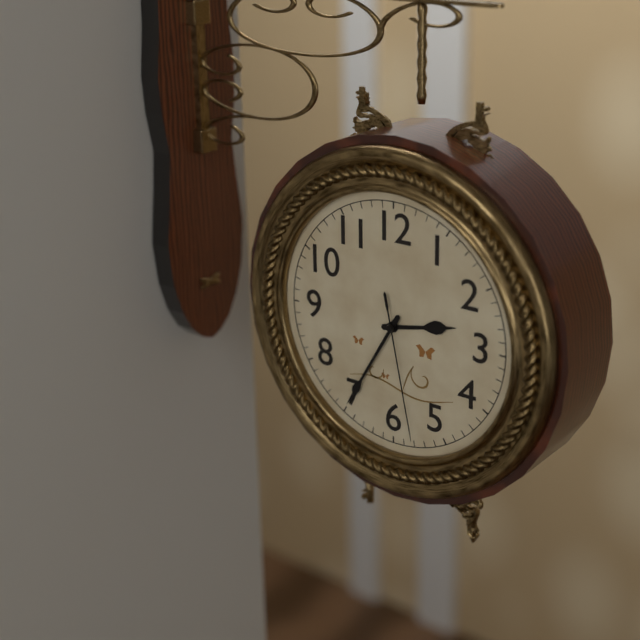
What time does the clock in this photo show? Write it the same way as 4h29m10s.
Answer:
2h35m28s
